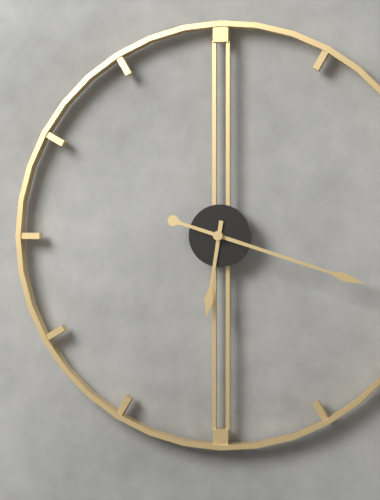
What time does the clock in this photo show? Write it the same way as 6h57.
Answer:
6h18
